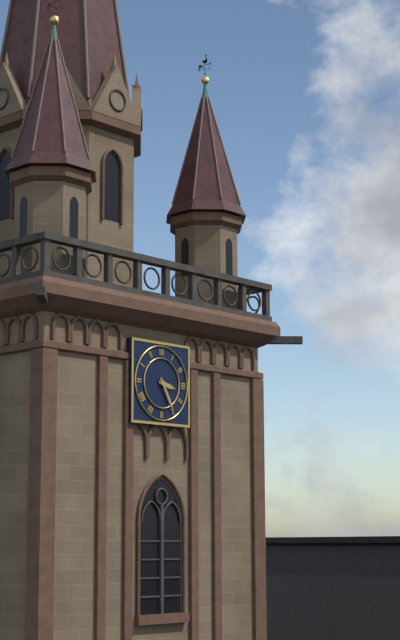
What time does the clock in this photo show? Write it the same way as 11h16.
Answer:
3h25
